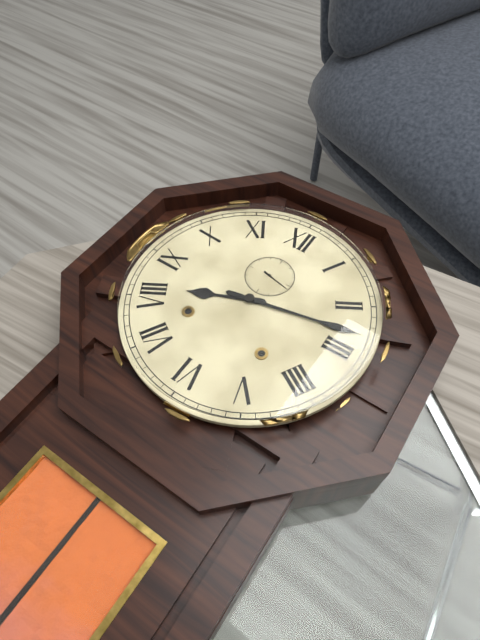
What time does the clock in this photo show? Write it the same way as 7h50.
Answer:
8h13
